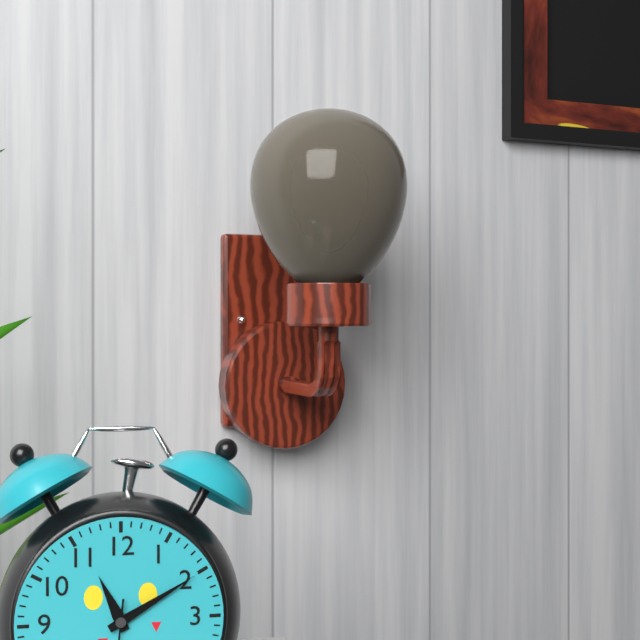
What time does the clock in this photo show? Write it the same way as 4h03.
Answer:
11h10
